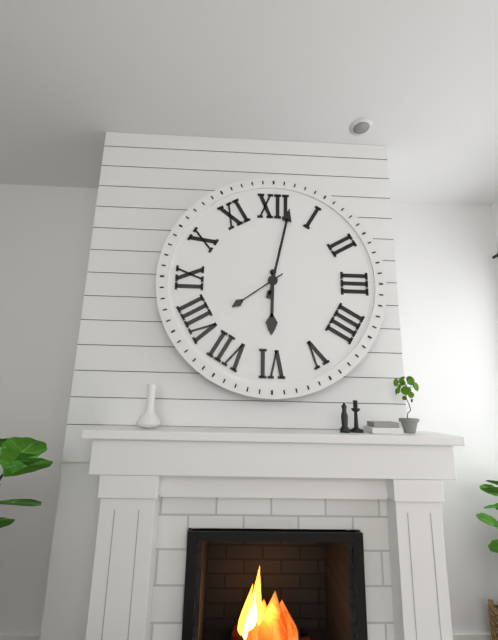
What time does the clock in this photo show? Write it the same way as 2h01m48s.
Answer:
6h02m39s
